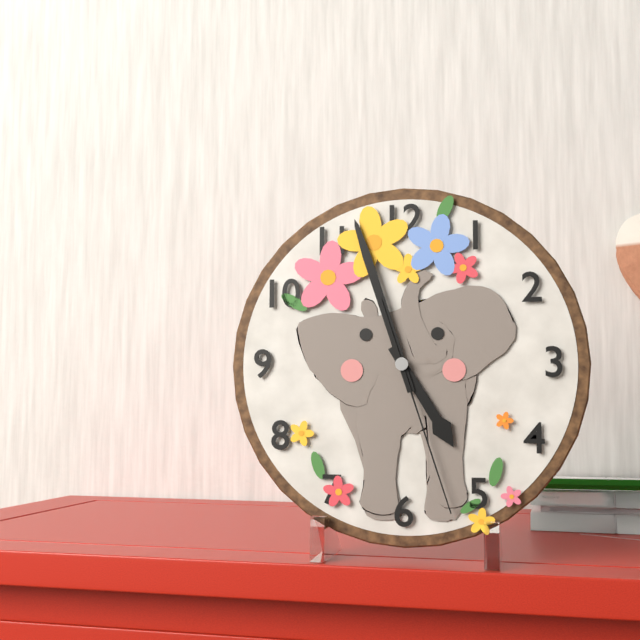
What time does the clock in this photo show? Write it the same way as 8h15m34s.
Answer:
4h57m27s
